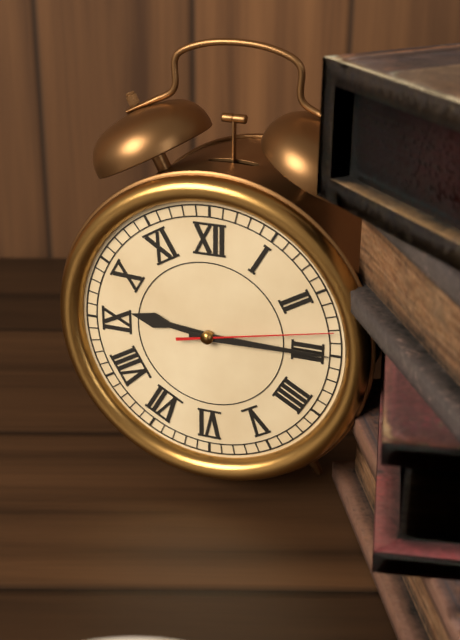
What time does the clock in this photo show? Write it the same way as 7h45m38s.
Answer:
9h15m13s
